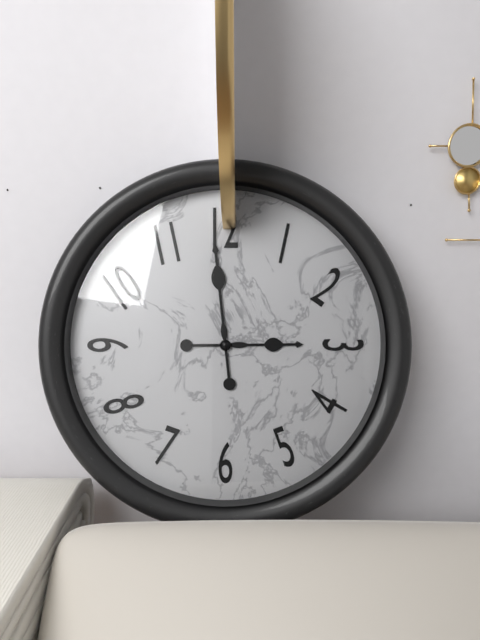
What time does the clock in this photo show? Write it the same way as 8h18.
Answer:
2h59
